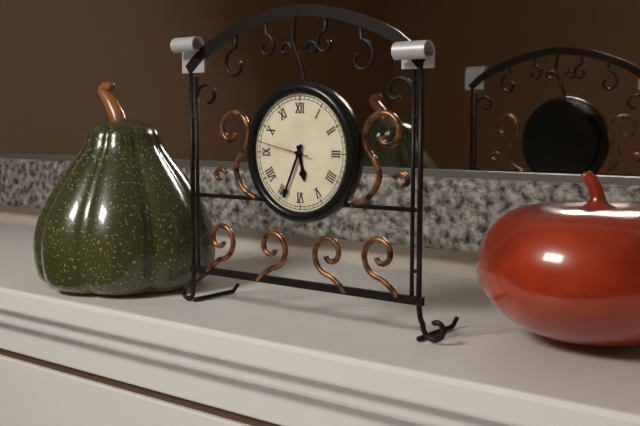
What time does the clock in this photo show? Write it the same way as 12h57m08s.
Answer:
5h34m47s
